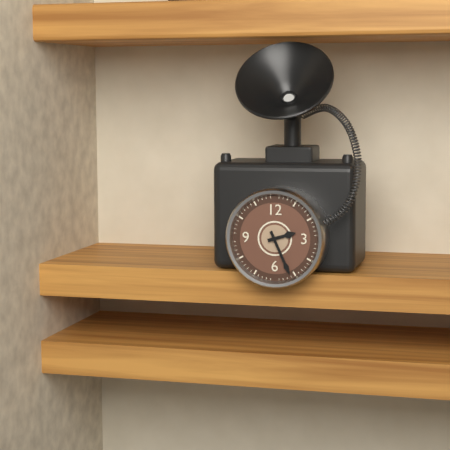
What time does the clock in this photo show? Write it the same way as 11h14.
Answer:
2h26
